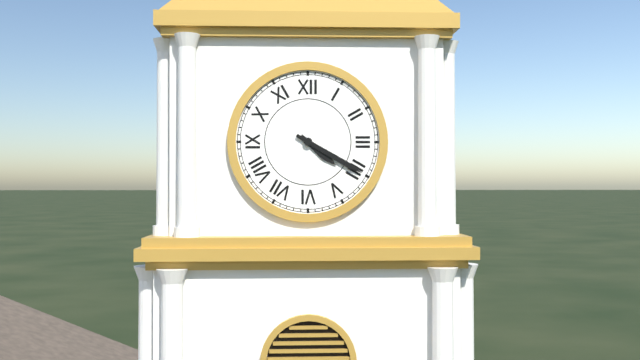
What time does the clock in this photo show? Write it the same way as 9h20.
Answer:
4h20
